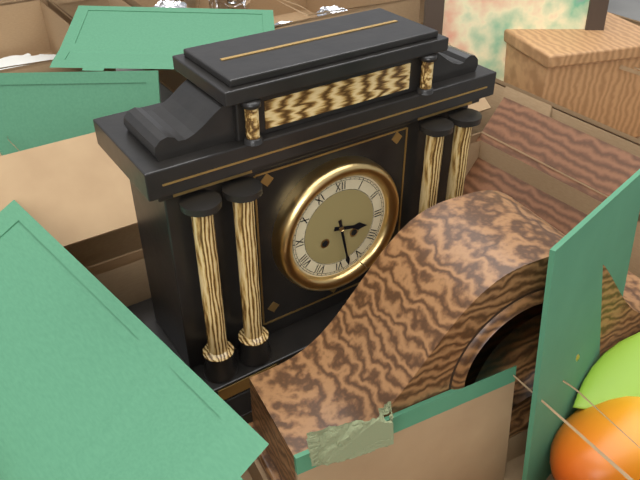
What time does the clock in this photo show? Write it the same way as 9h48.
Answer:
3h28
